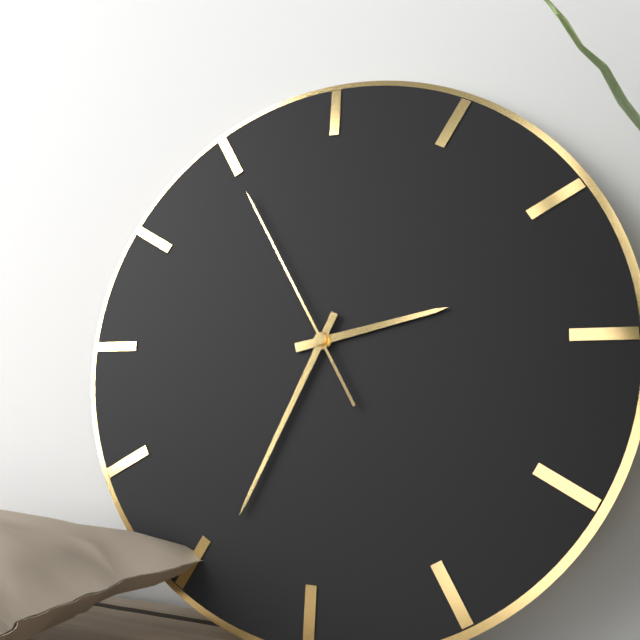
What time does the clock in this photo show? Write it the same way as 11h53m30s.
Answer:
2h34m55s
